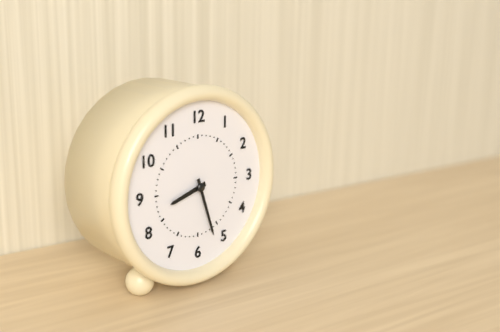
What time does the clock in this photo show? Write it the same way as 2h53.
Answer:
8h27
